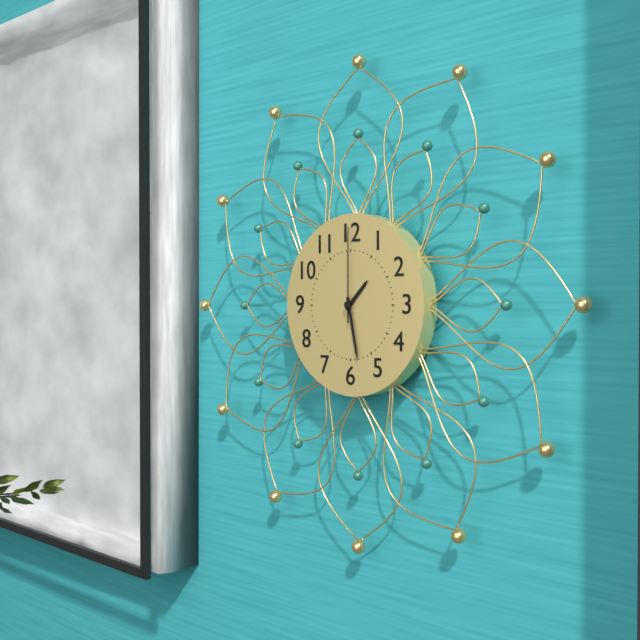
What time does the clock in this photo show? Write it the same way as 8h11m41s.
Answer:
1h28m00s
